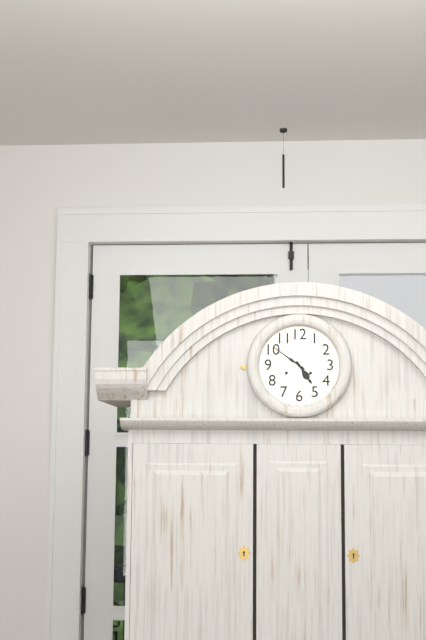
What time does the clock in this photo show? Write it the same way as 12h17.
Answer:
4h51
